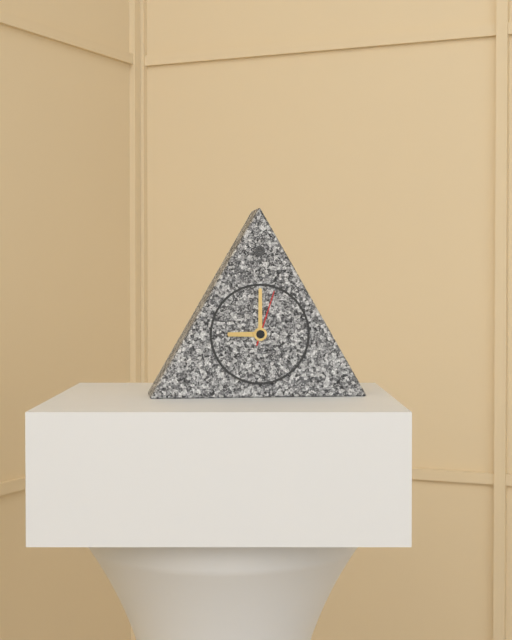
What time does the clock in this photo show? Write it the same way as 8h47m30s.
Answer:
9h00m03s
